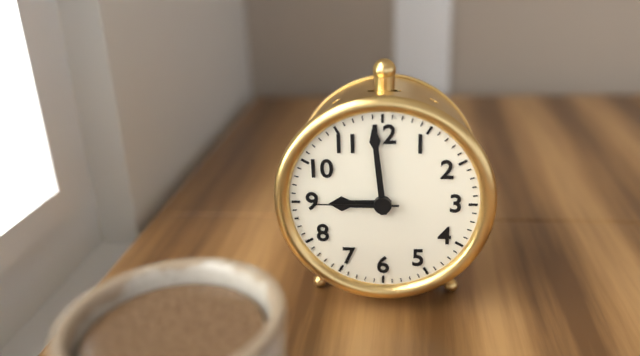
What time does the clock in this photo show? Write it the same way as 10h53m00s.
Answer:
8h59m45s
